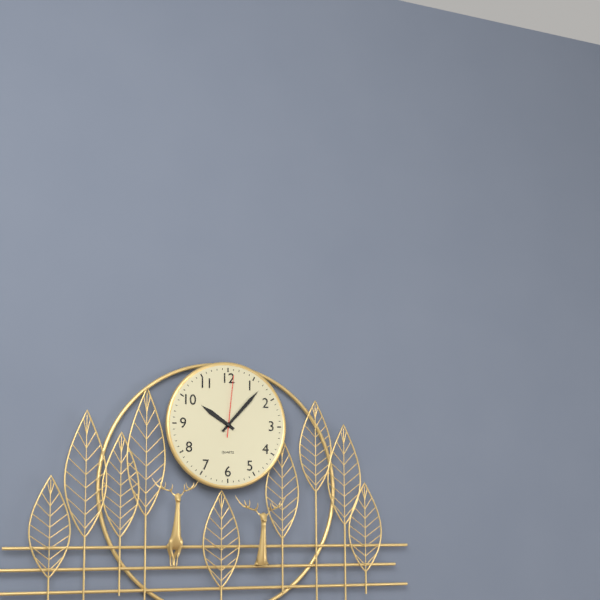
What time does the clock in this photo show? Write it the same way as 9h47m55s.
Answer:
10h07m01s
